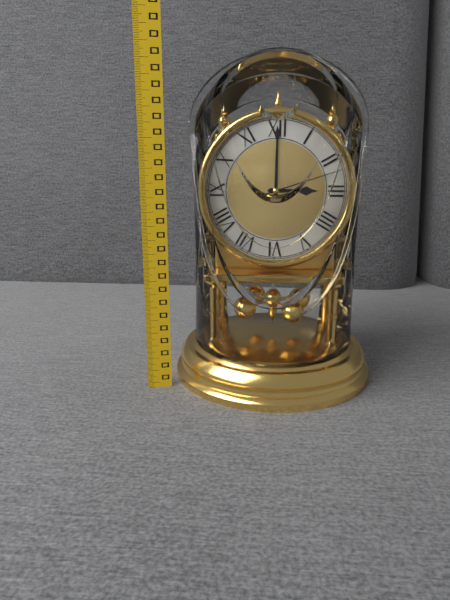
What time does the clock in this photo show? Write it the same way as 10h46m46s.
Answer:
3h00m12s
